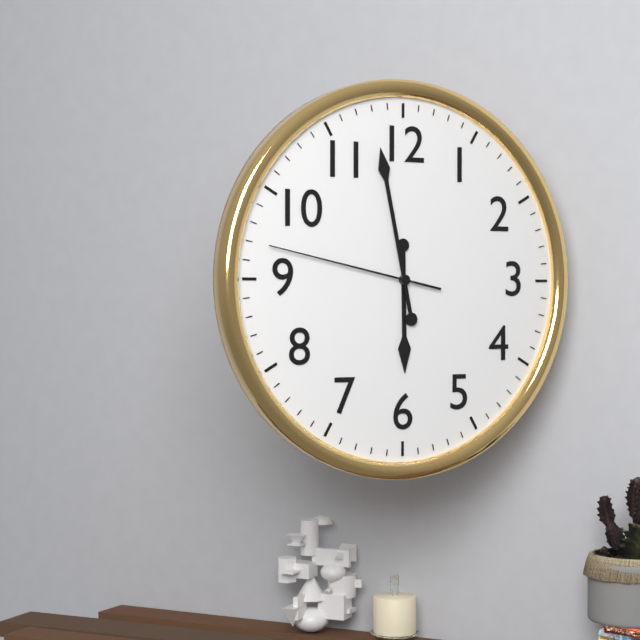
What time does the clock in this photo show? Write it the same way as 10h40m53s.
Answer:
5h58m47s
